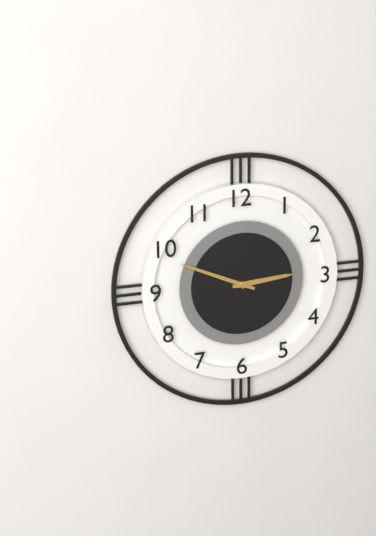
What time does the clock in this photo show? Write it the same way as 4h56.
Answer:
2h49
